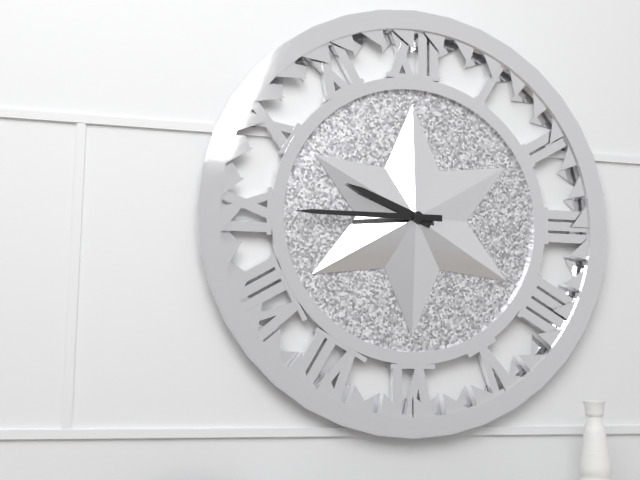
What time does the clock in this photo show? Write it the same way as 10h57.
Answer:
9h45
